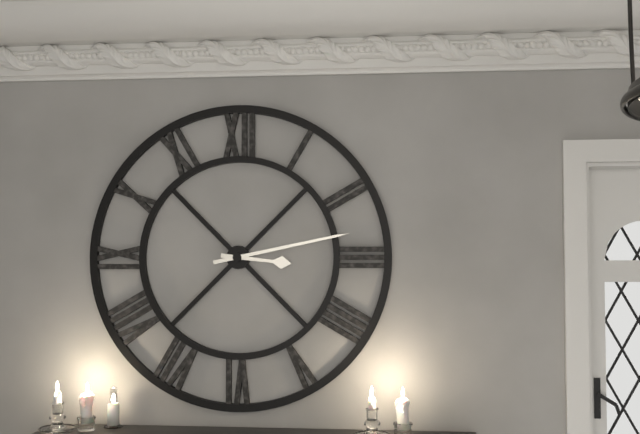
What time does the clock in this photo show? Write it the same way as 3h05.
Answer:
3h13
